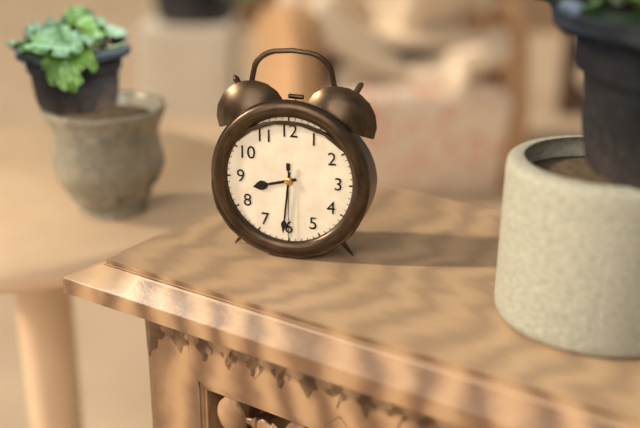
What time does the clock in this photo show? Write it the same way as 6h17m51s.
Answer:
8h31m30s
